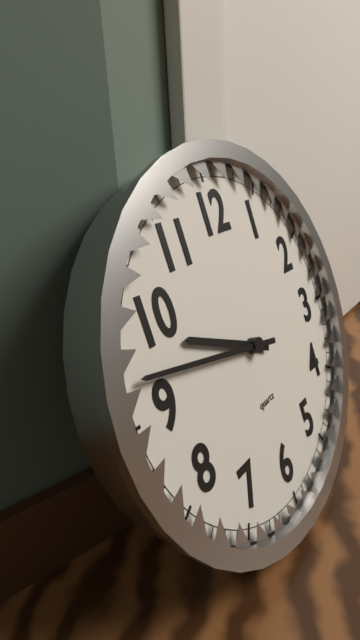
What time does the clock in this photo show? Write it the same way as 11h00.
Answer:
9h47
